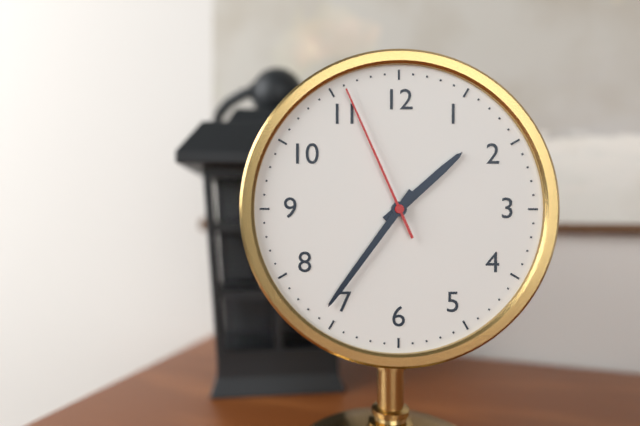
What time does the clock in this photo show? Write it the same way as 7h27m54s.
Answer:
1h36m56s
